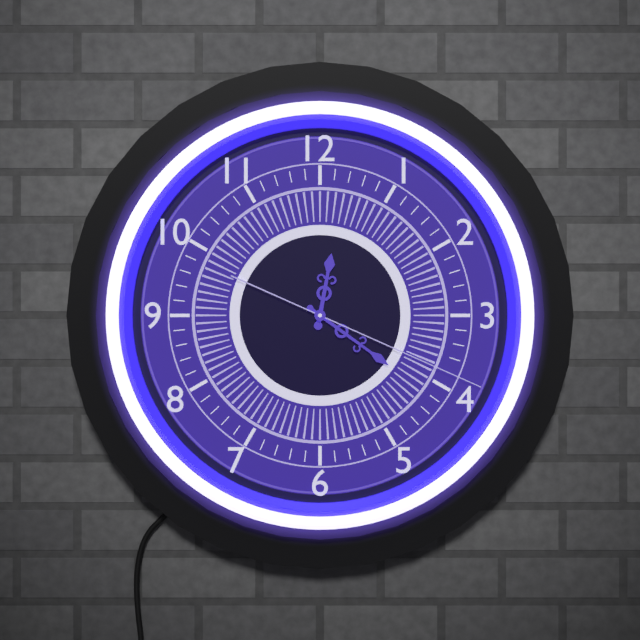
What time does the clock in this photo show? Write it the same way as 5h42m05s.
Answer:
12h21m19s
